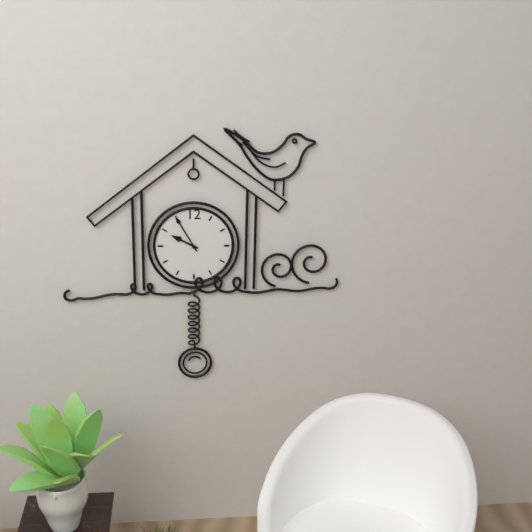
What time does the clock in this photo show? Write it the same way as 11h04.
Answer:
9h55
